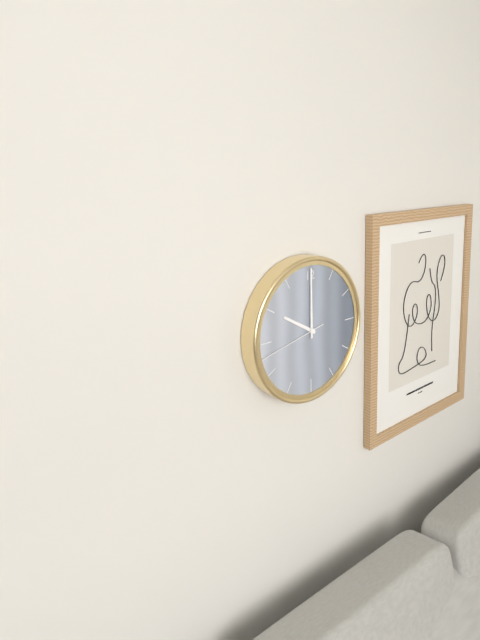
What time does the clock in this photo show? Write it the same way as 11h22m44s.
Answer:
10h00m43s
